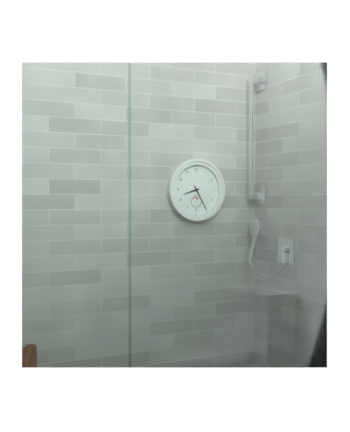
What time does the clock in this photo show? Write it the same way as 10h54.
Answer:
8h25
